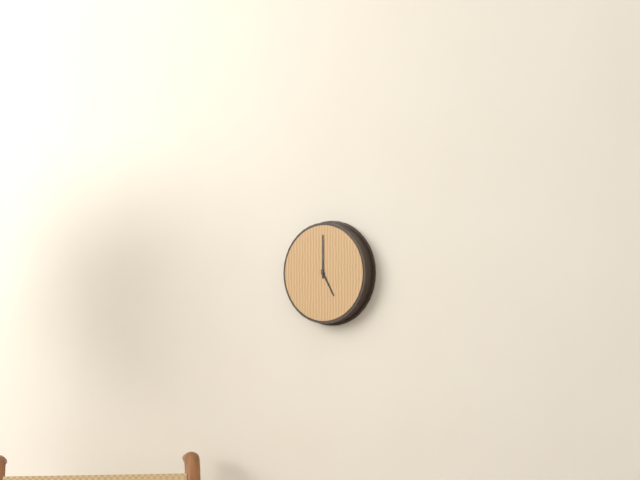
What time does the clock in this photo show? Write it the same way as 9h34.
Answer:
5h00
